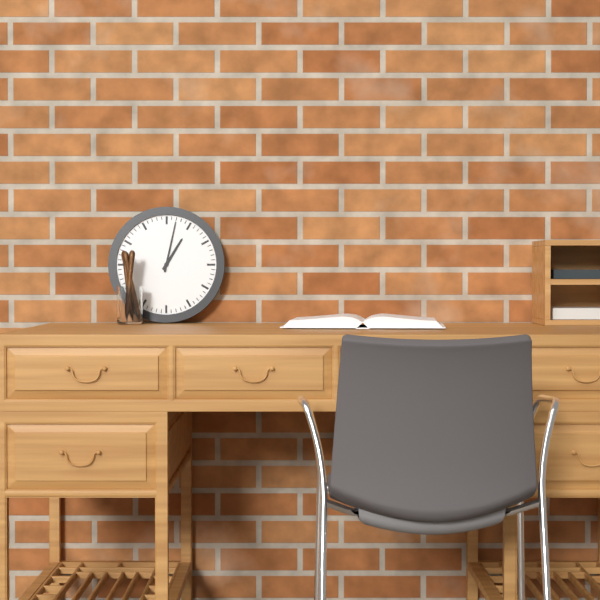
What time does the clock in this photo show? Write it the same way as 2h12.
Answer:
1h02
